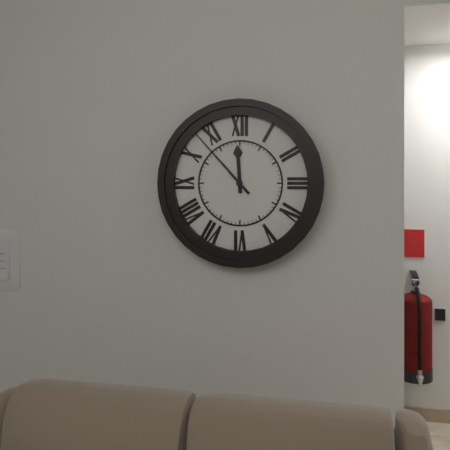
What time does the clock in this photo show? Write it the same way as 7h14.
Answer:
11h53
